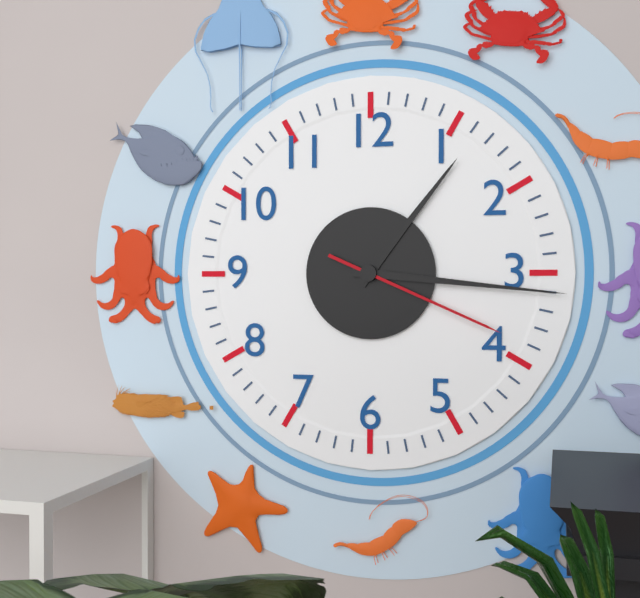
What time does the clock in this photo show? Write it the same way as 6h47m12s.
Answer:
1h16m19s
